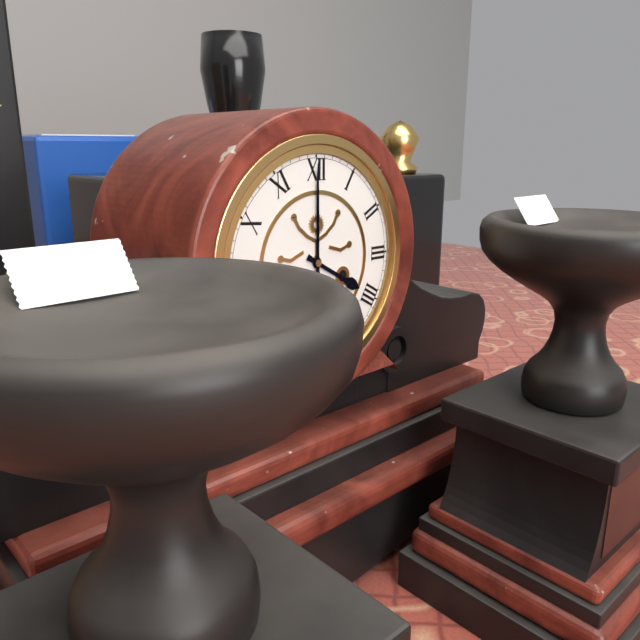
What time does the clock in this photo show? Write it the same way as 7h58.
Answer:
4h00
